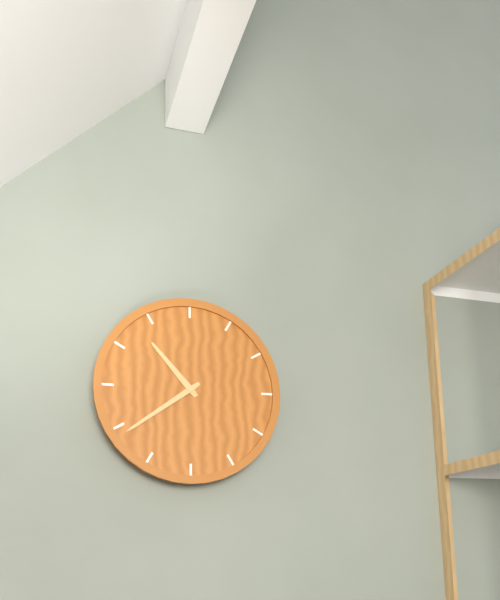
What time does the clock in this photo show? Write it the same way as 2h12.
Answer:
10h39
